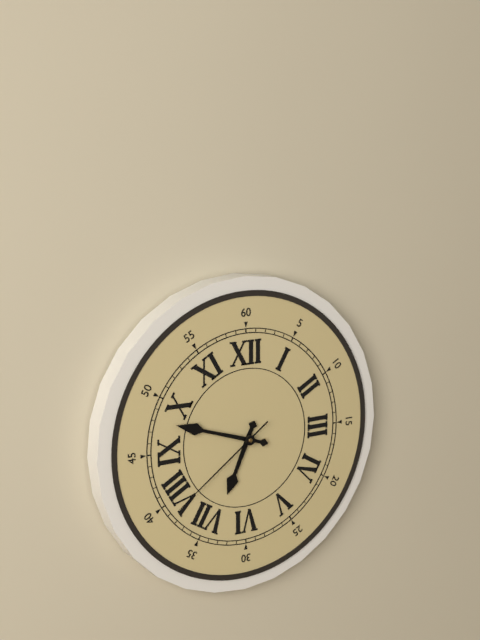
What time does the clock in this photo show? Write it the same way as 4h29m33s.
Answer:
6h48m39s
